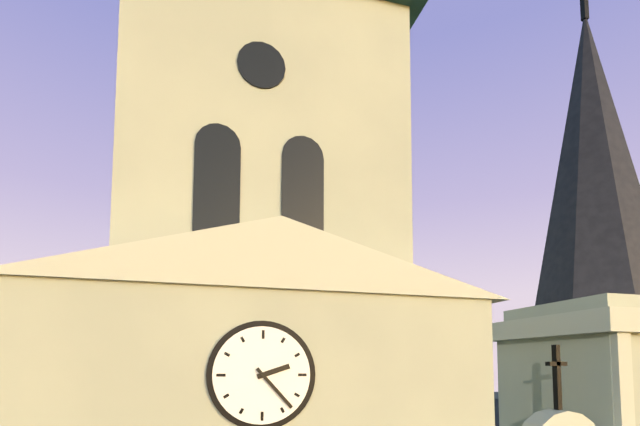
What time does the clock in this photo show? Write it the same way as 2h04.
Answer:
2h23
